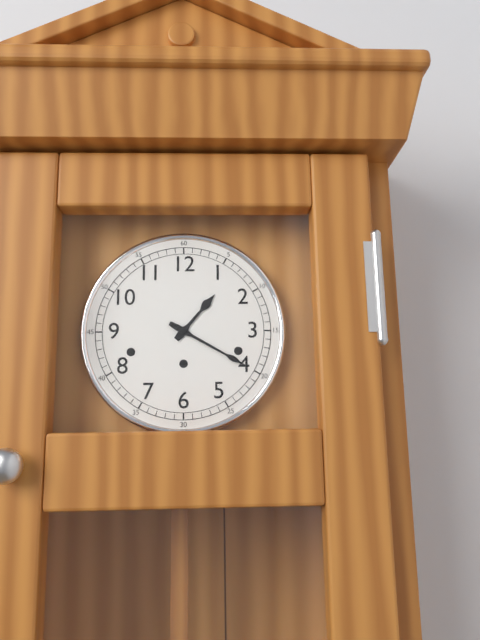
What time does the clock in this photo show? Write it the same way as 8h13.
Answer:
1h20
